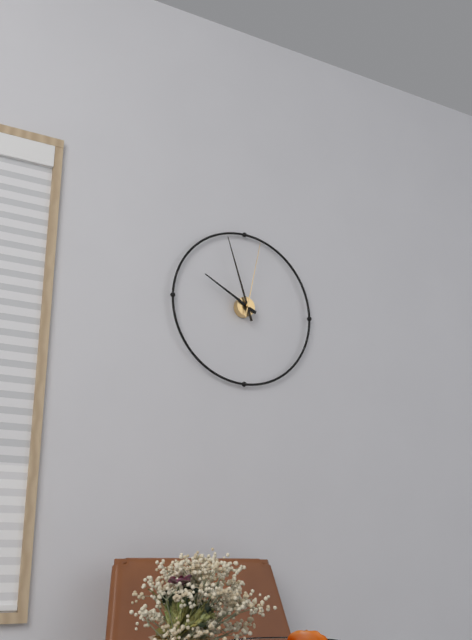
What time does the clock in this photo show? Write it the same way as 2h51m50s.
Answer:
9h57m02s
